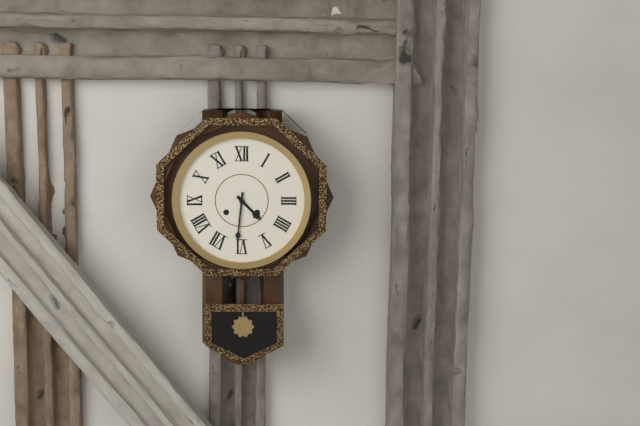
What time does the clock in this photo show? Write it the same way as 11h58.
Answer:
4h31
